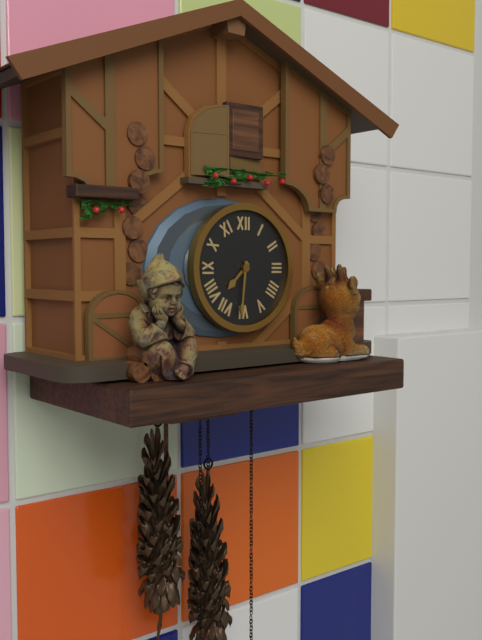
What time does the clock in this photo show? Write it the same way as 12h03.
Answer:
7h31
